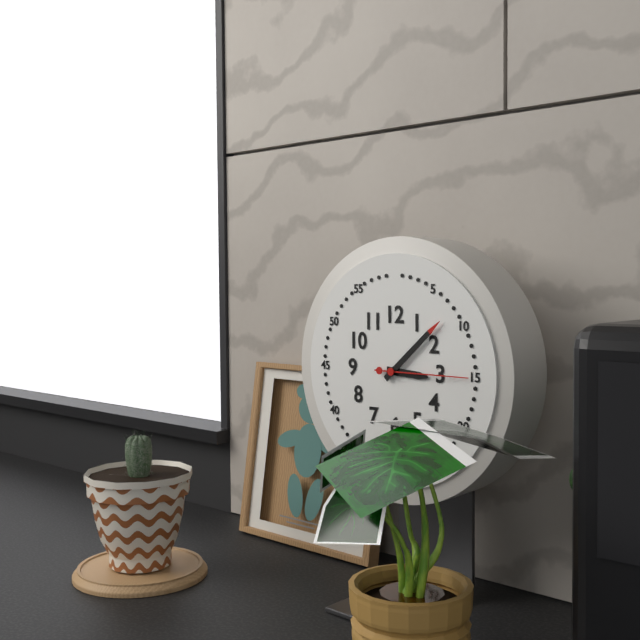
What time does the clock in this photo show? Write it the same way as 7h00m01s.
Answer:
3h08m15s
